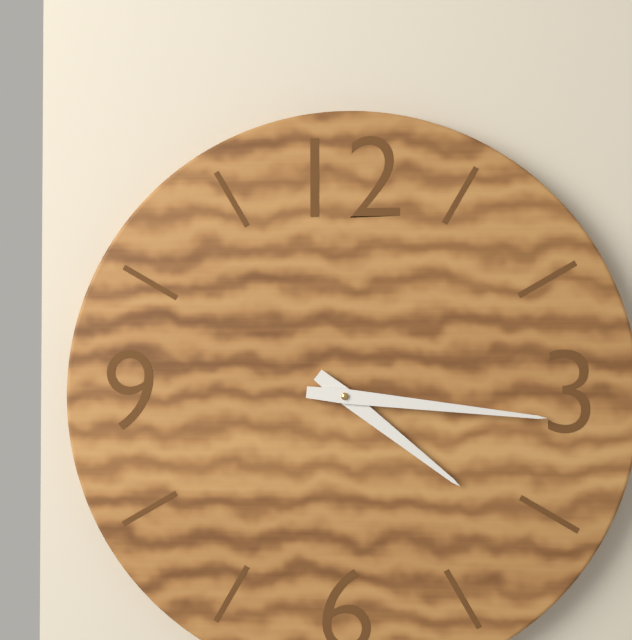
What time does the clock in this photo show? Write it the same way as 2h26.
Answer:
4h16
